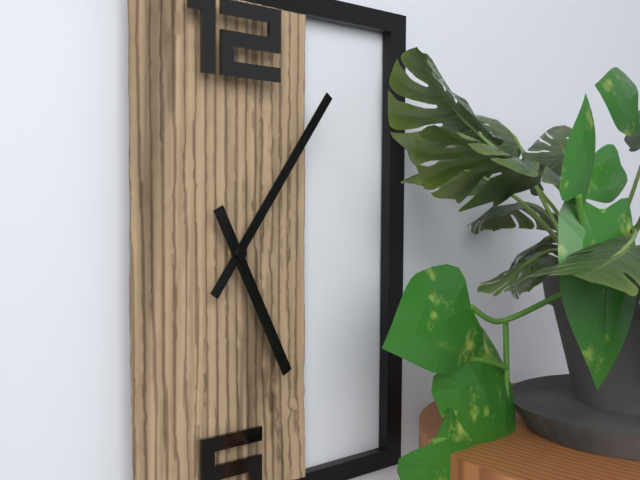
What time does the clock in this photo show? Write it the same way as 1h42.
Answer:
5h06
